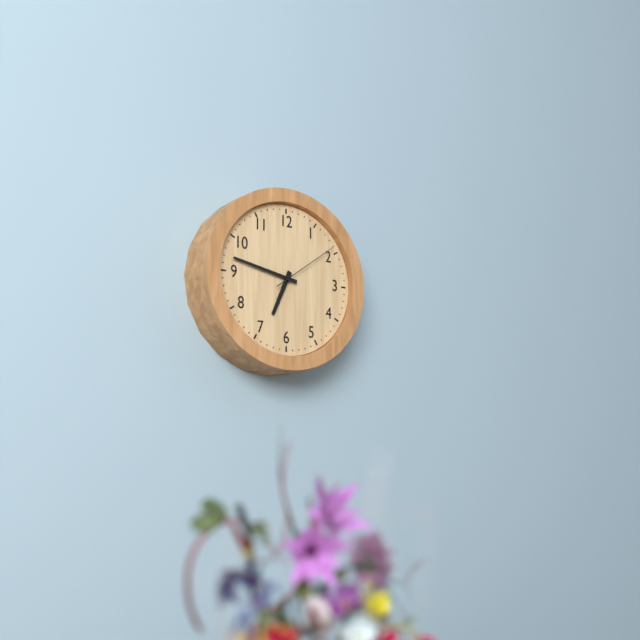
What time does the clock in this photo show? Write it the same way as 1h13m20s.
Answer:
6h47m09s
